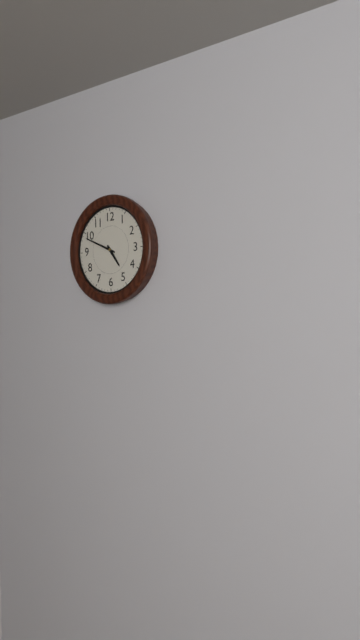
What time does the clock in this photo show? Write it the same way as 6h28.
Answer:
4h49
